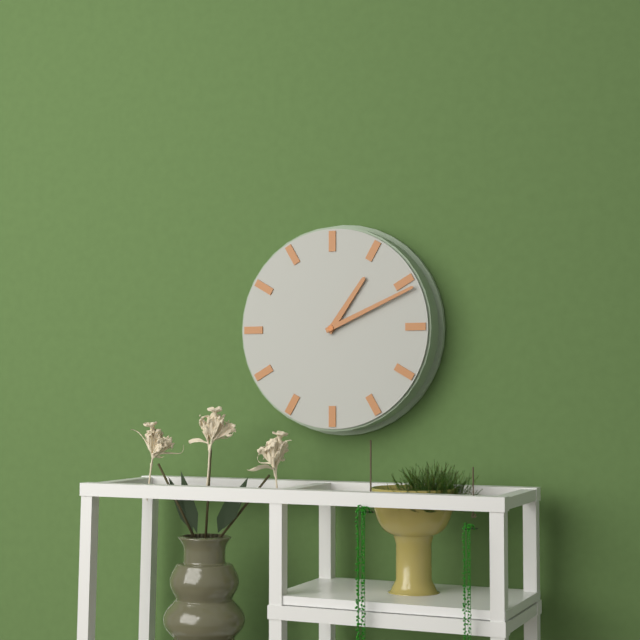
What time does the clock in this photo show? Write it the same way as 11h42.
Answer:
1h11
